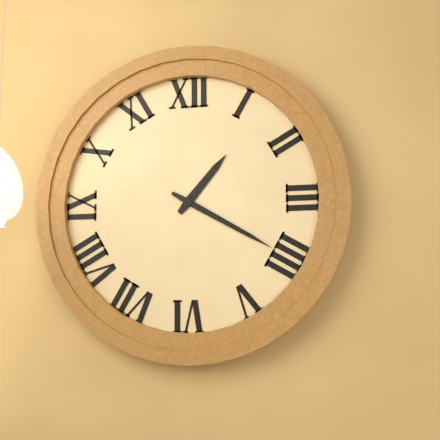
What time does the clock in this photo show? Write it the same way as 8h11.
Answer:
1h20
